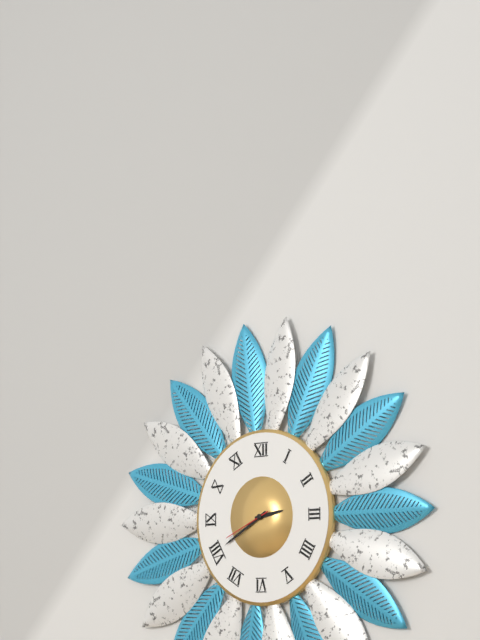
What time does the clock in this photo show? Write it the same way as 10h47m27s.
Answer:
2h40m41s
